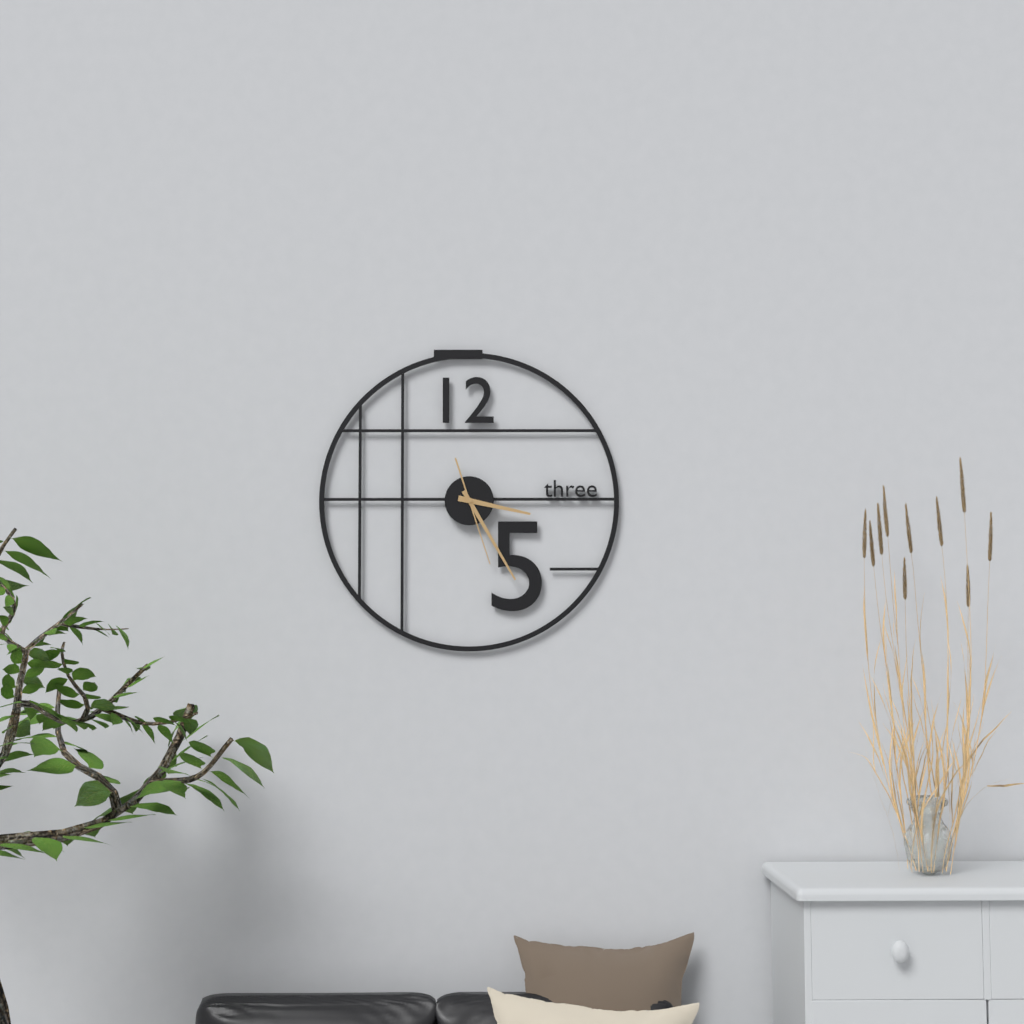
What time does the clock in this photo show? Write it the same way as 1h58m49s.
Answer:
3h25m27s
